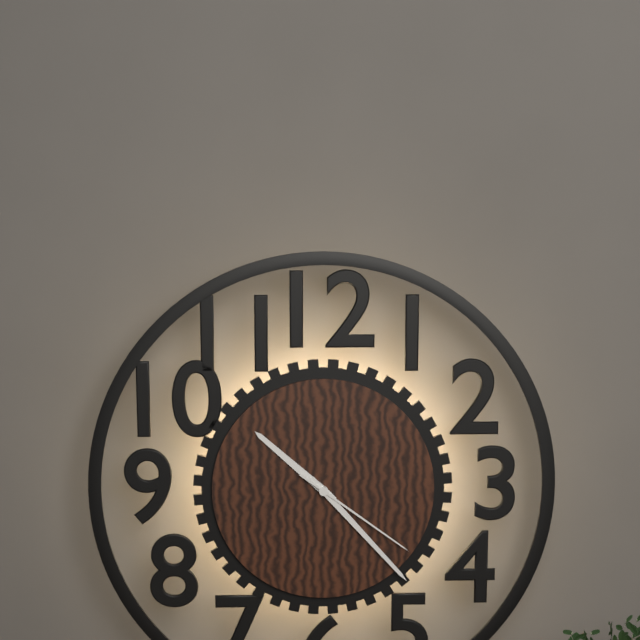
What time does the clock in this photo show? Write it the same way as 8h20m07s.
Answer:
10h23m21s
